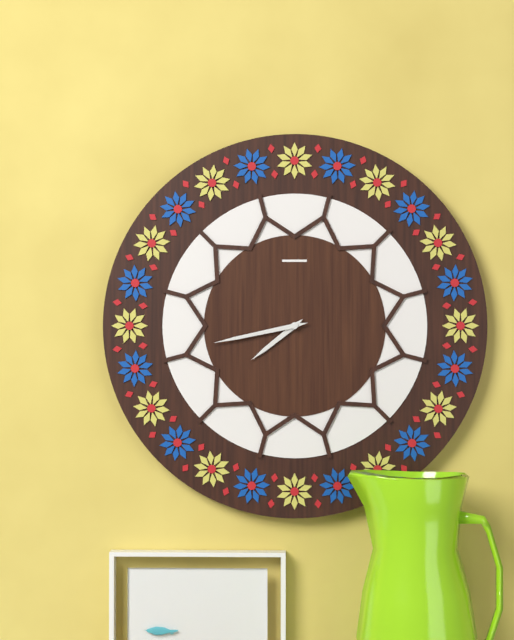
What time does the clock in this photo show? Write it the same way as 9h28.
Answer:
7h43
